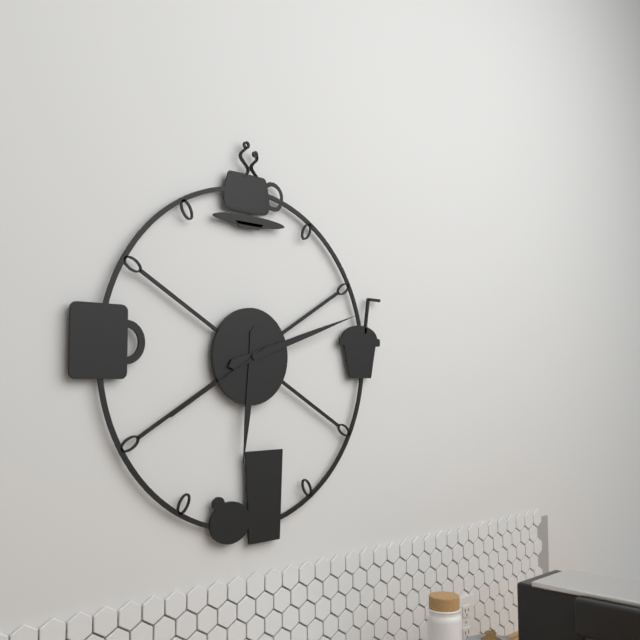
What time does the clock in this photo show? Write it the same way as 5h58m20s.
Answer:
6h12m40s
